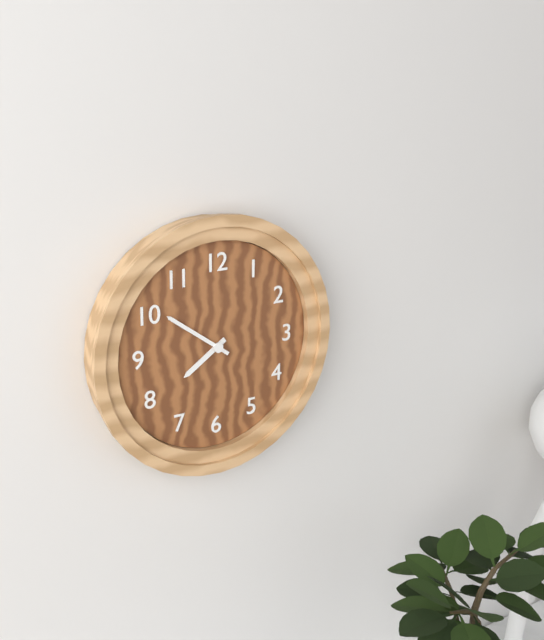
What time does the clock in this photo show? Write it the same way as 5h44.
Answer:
7h51
